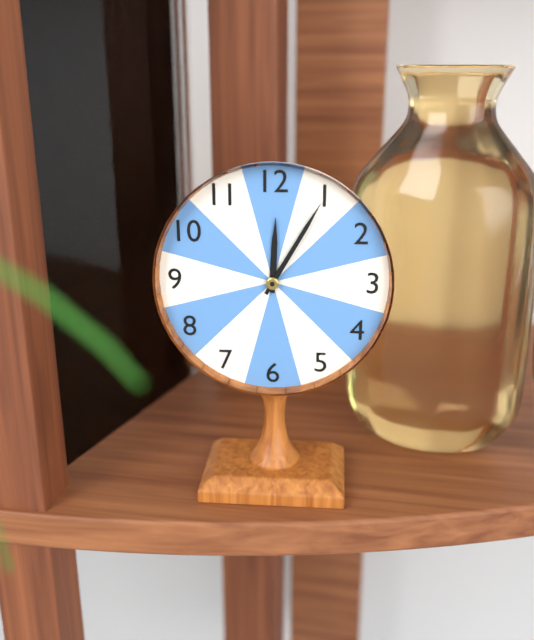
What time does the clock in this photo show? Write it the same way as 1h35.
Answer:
12h05
